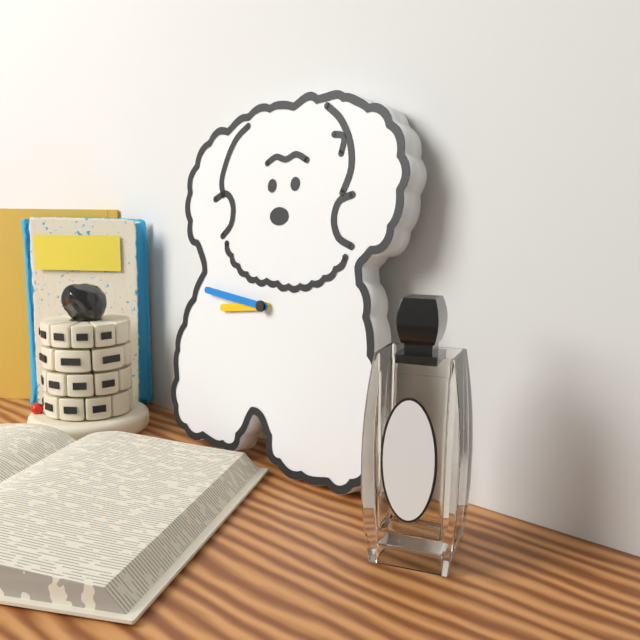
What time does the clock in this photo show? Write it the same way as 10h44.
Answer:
8h46
